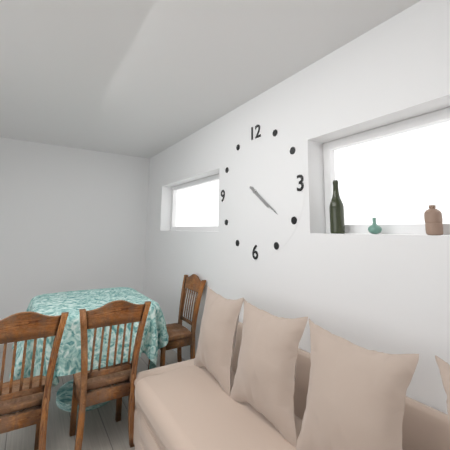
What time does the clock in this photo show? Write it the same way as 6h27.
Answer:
4h21
